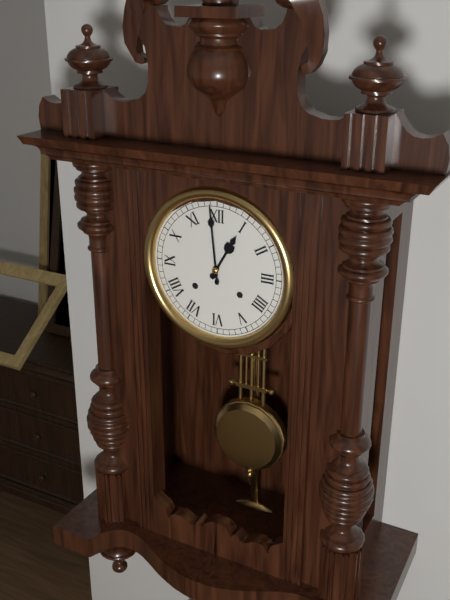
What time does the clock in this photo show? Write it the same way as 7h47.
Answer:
12h59
